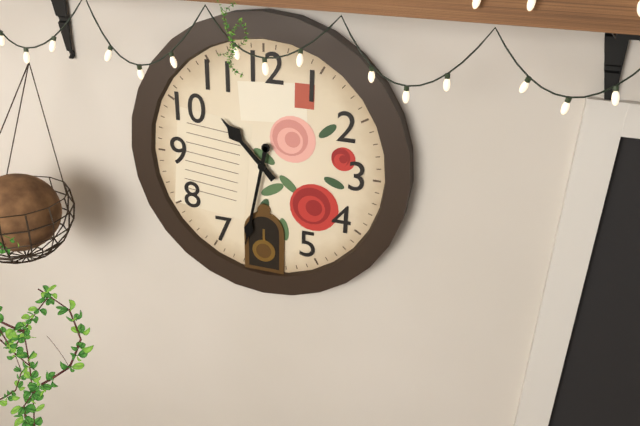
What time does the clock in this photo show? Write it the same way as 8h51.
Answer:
10h32
